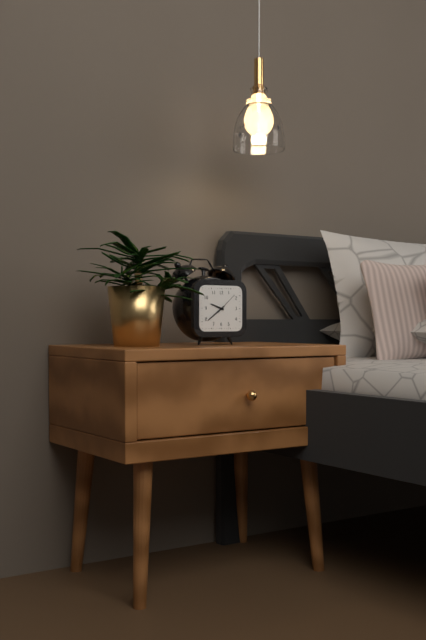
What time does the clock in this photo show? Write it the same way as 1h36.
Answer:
9h39
